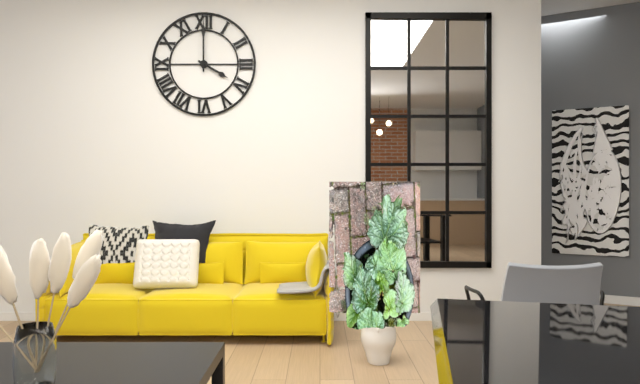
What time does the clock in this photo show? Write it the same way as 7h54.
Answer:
4h00
